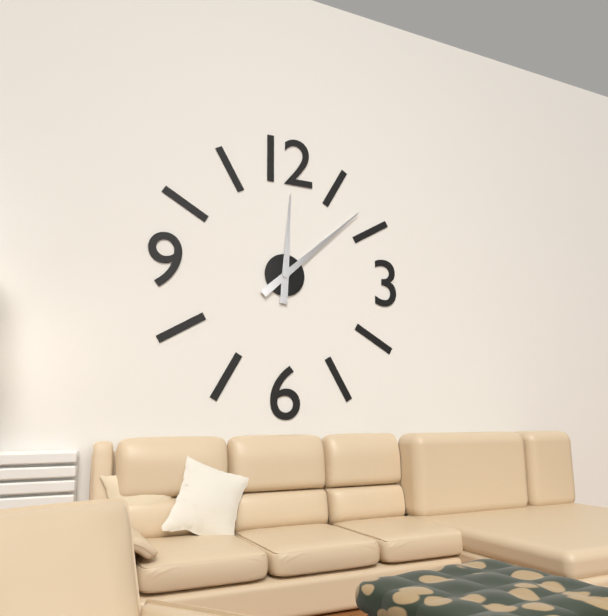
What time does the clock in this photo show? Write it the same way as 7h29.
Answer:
12h08
